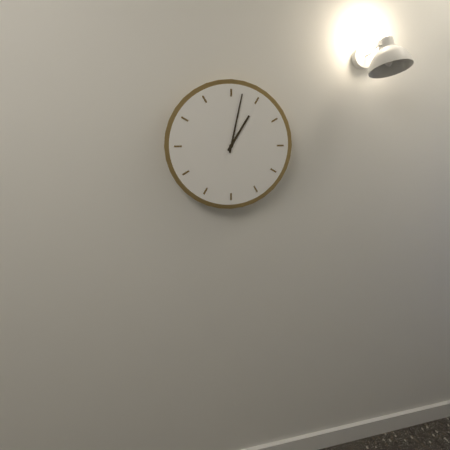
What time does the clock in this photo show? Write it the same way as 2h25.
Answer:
1h02
